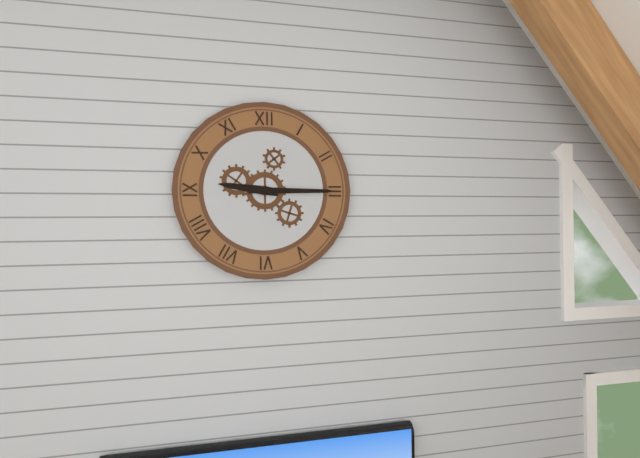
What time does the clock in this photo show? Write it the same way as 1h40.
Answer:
9h15
